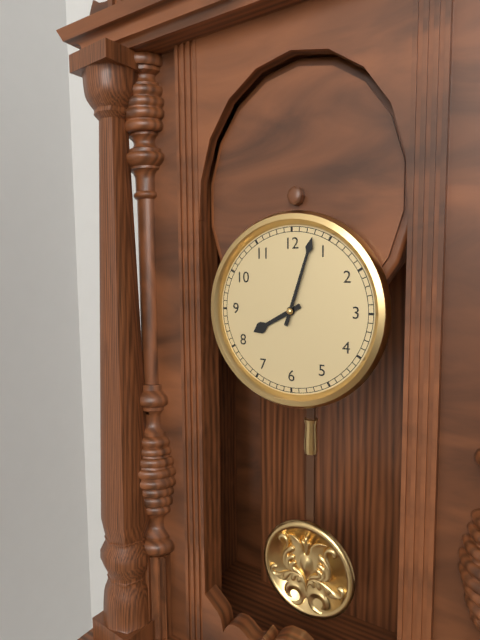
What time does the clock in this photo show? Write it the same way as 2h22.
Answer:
8h03
